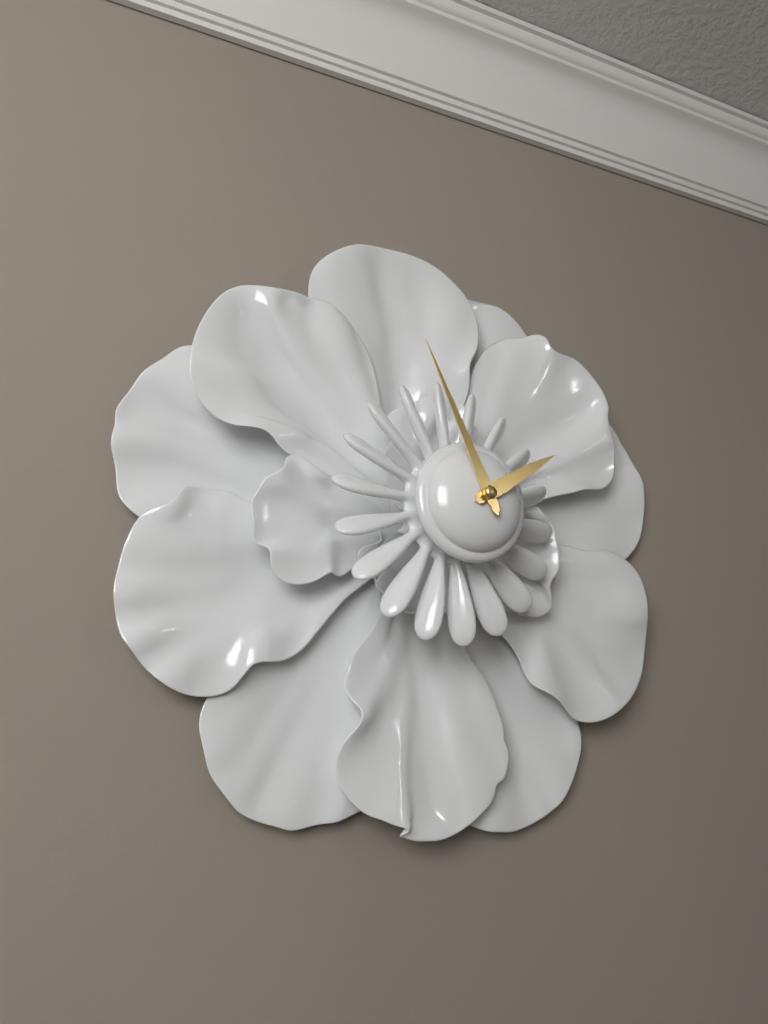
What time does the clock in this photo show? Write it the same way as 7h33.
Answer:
1h56
